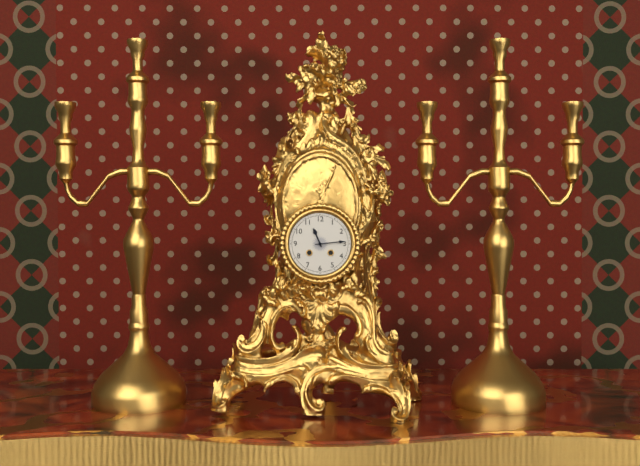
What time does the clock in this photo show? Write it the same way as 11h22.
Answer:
11h14
